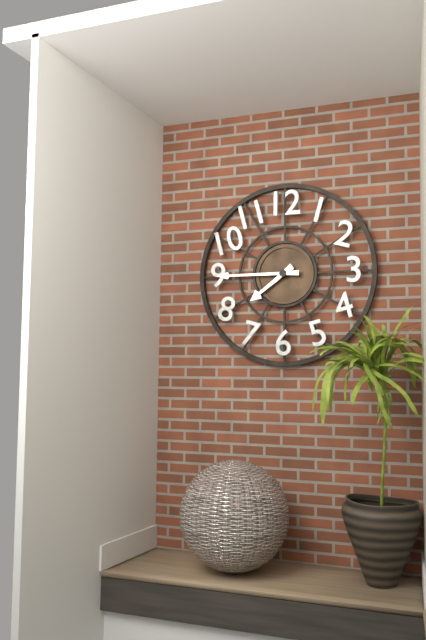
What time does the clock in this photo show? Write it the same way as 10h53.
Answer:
7h45
